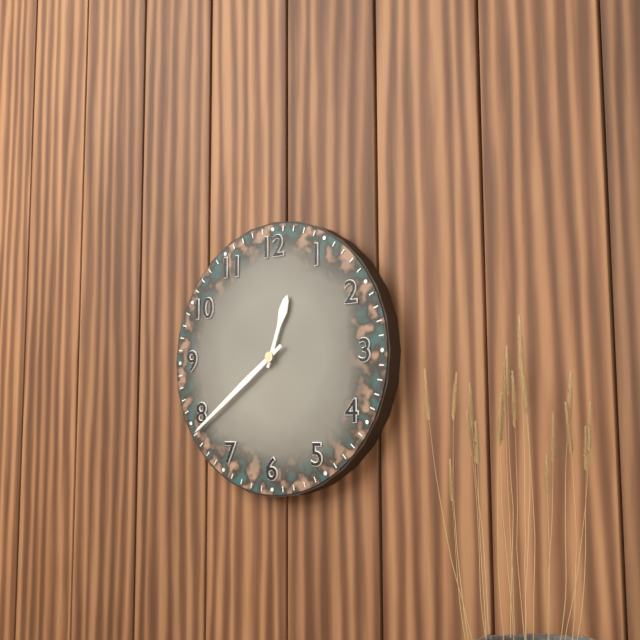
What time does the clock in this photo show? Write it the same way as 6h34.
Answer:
12h39
